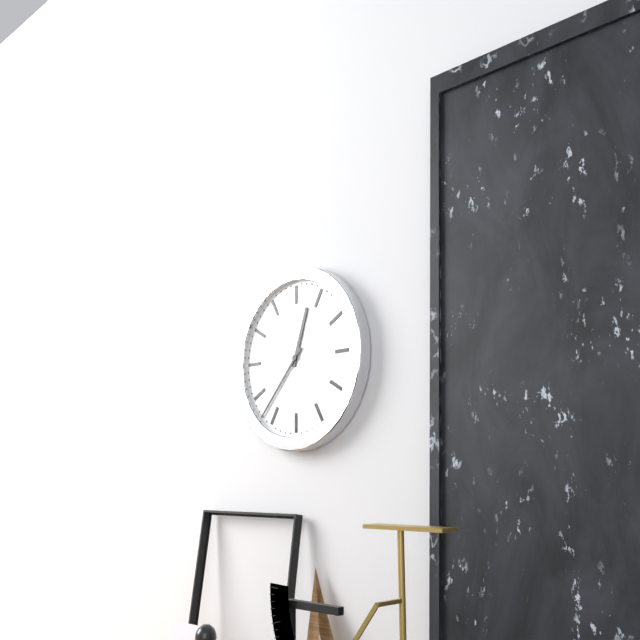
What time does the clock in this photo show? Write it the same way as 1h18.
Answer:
12h37
